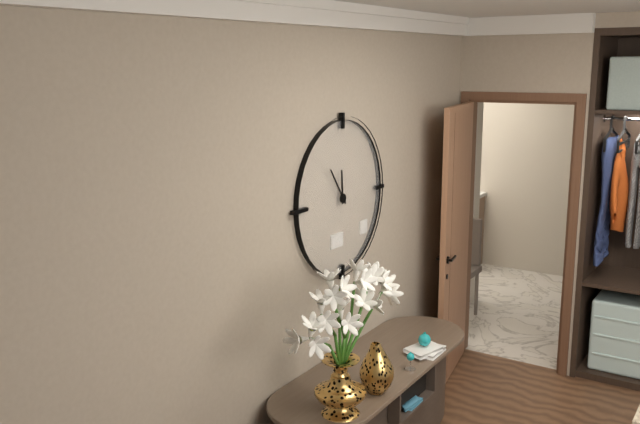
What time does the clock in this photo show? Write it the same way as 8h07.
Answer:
11h54
